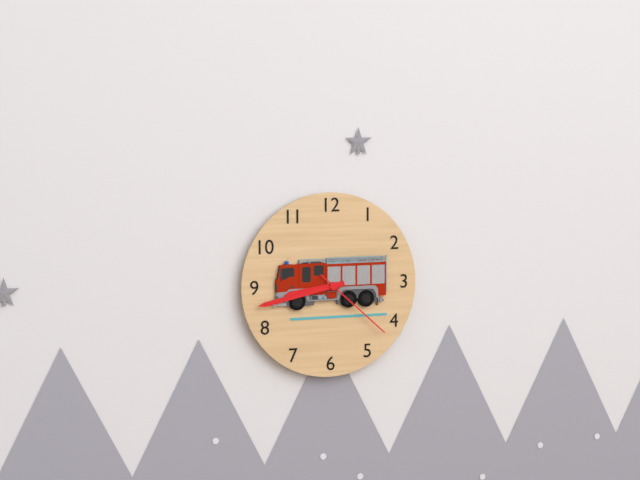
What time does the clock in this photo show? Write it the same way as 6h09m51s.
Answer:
8h43m22s
